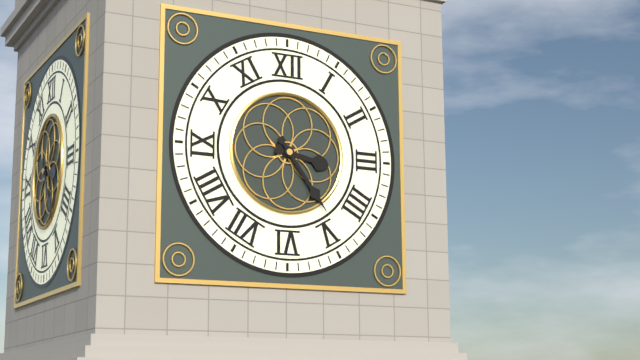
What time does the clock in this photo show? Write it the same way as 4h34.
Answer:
3h24
